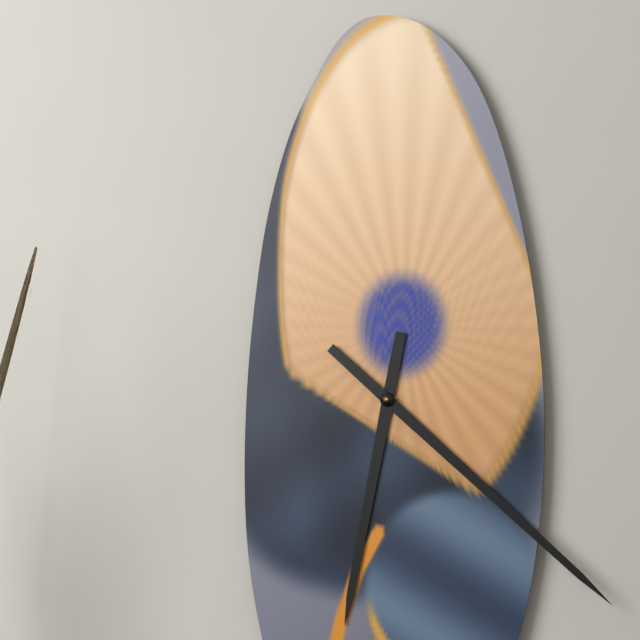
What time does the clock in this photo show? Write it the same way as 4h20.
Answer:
6h22
